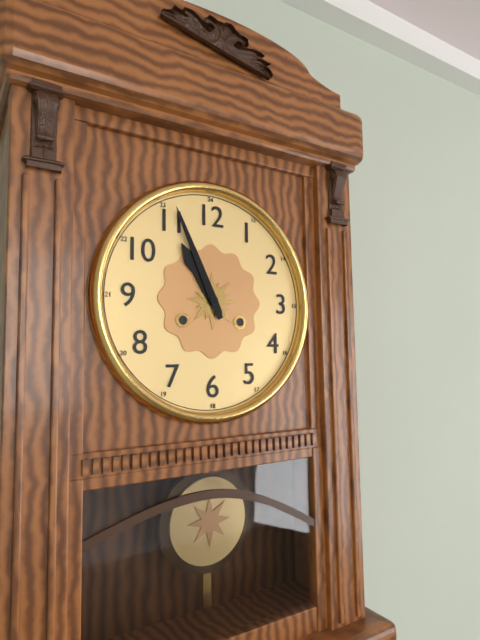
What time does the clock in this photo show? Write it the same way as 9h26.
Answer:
10h56
